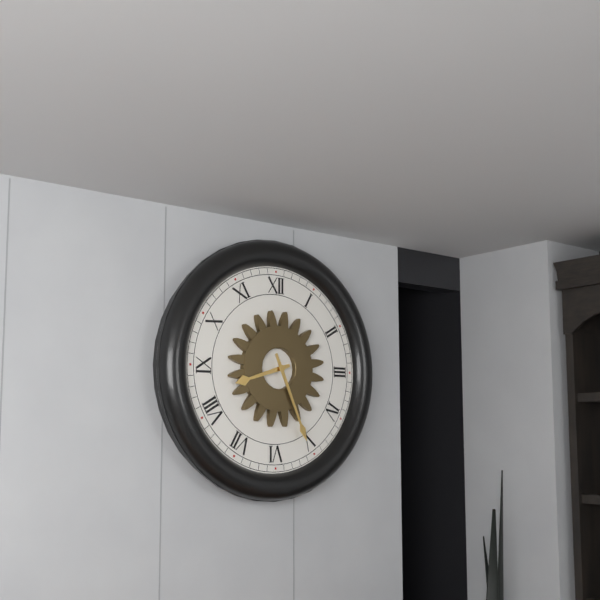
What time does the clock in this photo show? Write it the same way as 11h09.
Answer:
8h26
